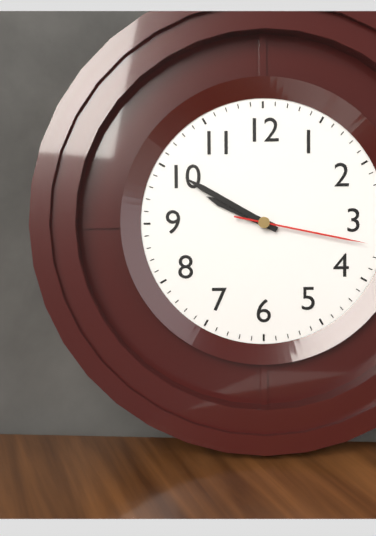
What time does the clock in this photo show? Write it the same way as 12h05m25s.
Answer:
9h50m17s
